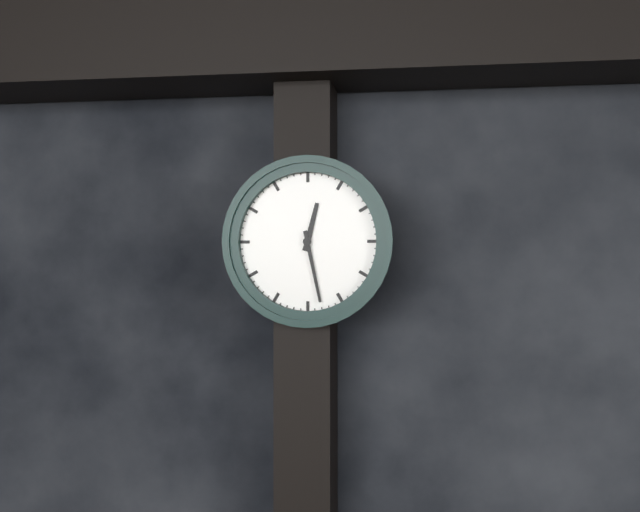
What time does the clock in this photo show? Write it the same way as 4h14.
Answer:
12h28
